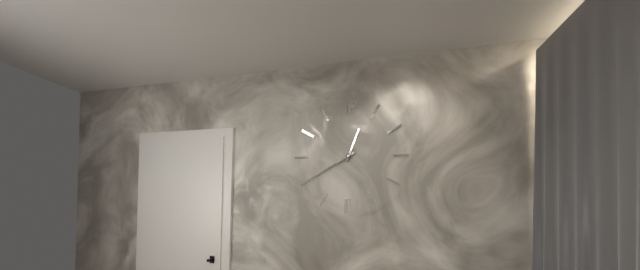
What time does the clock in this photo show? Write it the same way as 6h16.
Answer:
12h40
